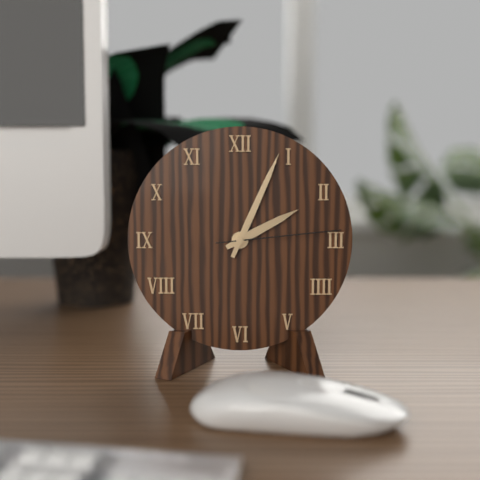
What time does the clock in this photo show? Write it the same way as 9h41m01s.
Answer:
2h04m14s
